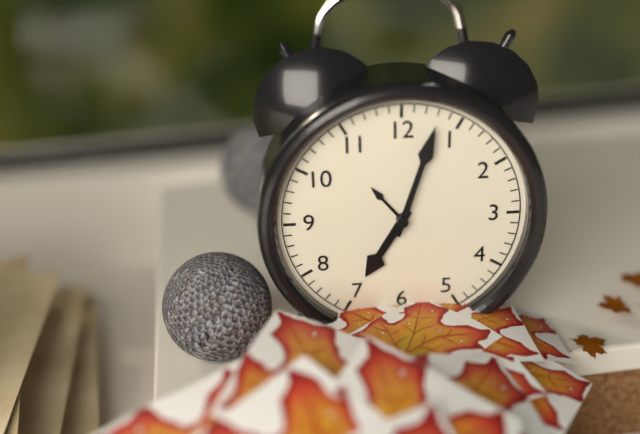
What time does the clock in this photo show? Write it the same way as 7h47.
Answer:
7h03
